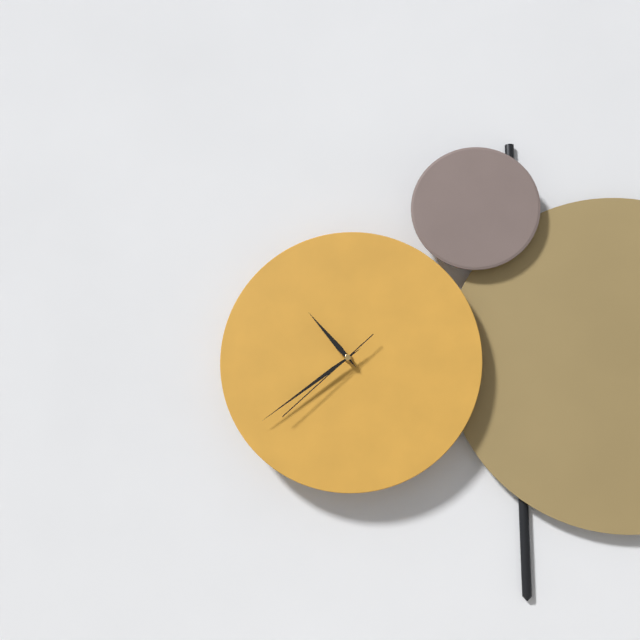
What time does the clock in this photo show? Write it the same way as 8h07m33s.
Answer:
10h39m38s
